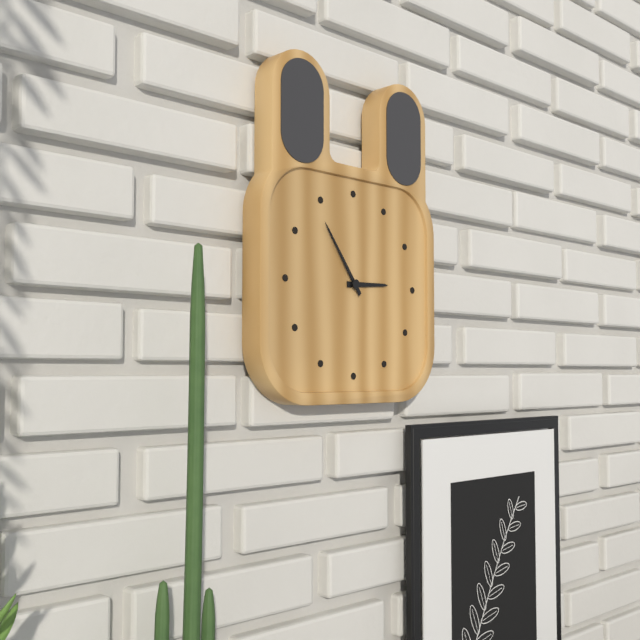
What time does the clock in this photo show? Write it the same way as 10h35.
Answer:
2h54
